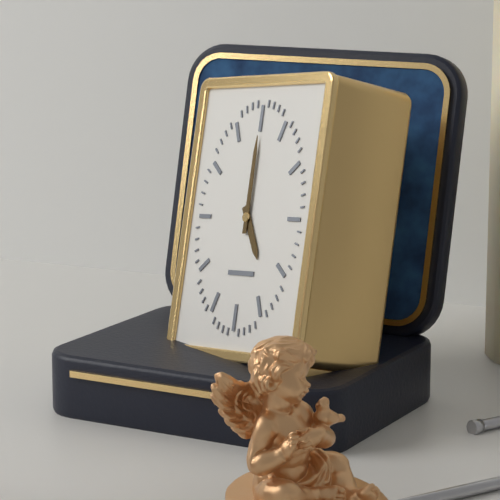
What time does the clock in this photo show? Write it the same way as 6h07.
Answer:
5h00
